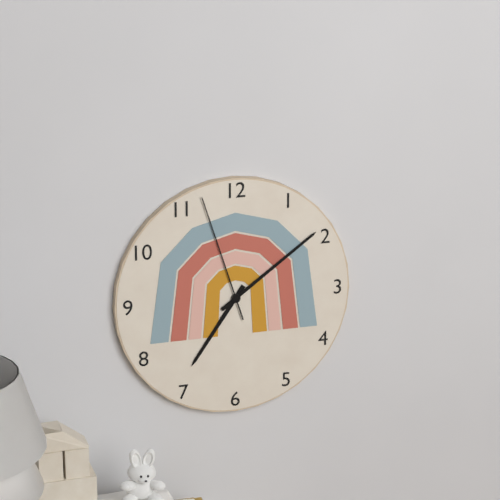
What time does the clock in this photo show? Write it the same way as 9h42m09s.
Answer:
7h09m57s
